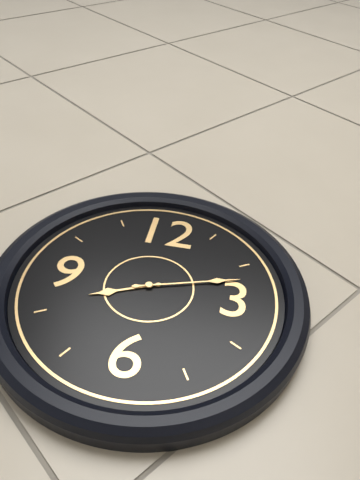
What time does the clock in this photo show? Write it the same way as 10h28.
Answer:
8h12
